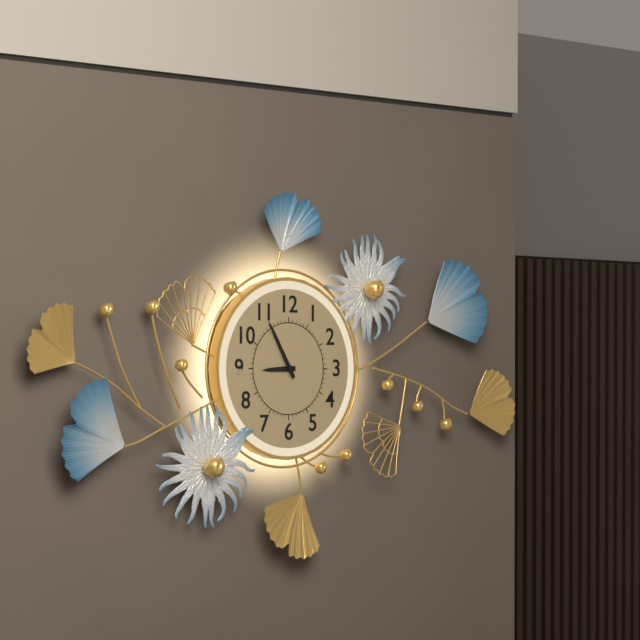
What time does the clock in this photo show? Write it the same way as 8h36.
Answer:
8h55
